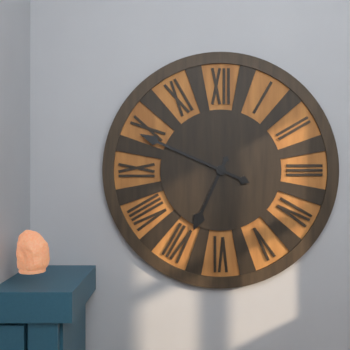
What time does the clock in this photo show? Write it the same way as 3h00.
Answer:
6h49
